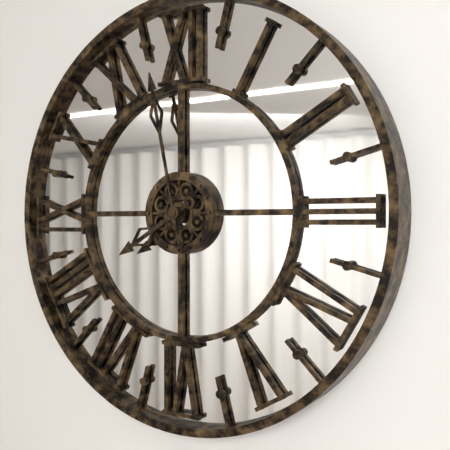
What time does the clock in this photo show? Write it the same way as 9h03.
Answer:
7h58
